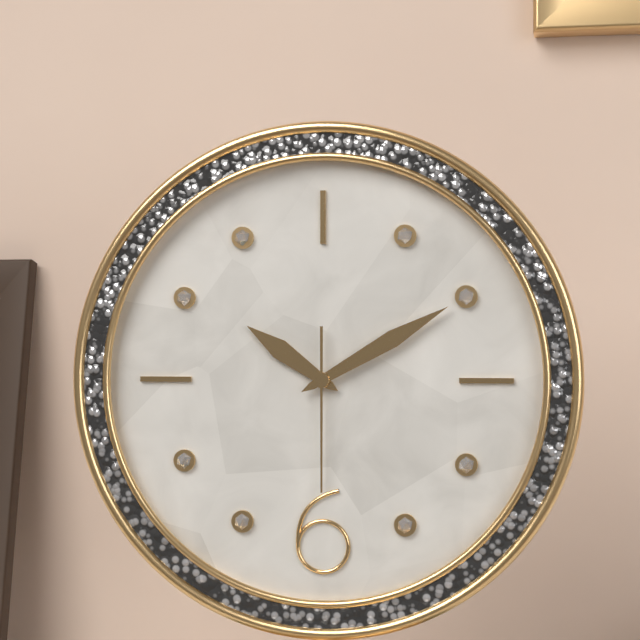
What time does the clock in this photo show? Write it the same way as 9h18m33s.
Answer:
10h10m30s
